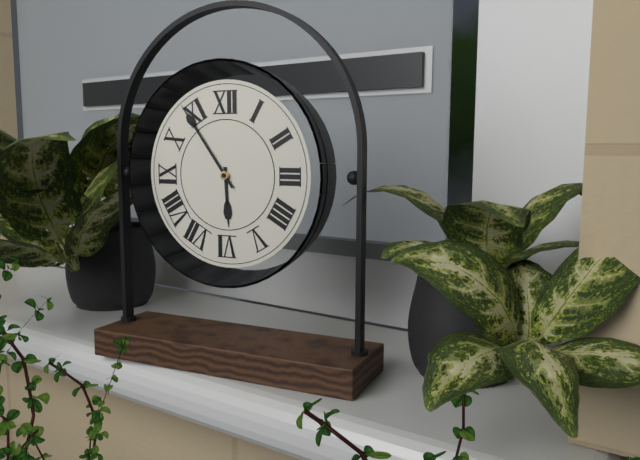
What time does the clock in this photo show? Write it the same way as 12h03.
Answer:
5h54
